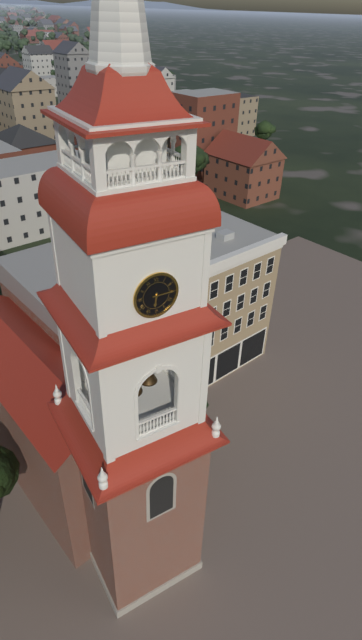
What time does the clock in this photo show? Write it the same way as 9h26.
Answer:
6h15
